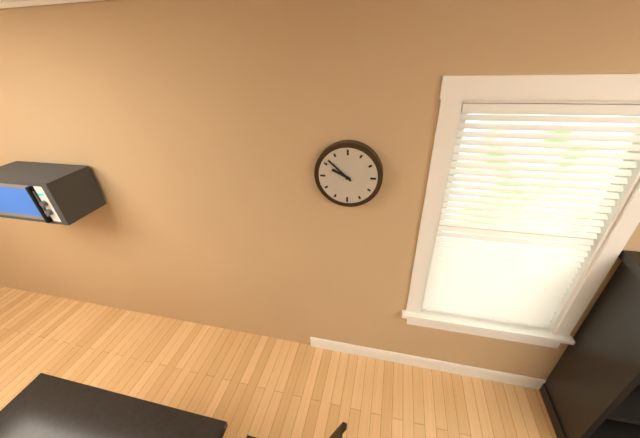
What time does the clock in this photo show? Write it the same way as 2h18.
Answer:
9h52
